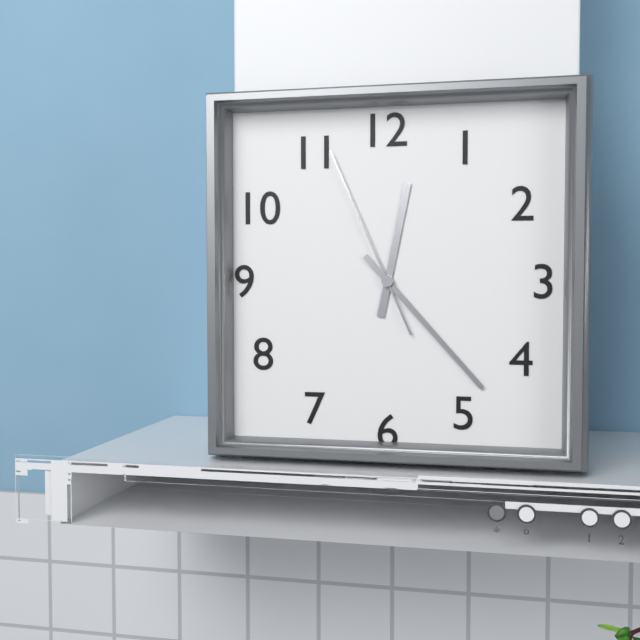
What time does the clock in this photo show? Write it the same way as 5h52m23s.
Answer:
12h23m56s
